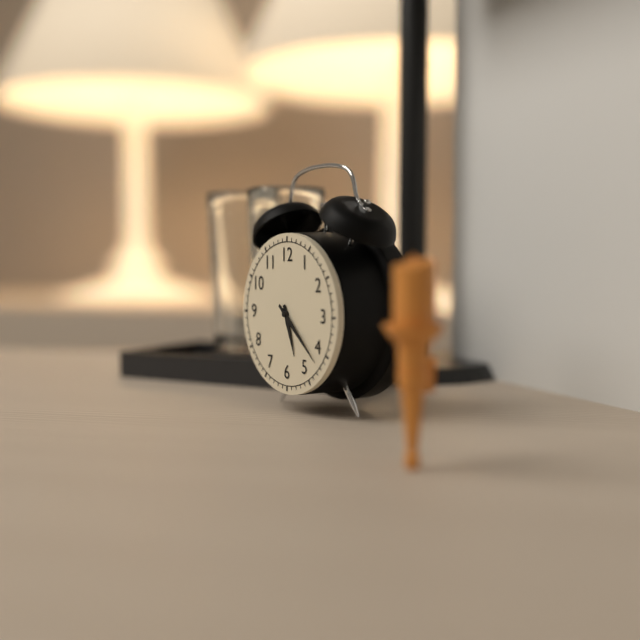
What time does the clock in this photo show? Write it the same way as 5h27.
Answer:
5h22
